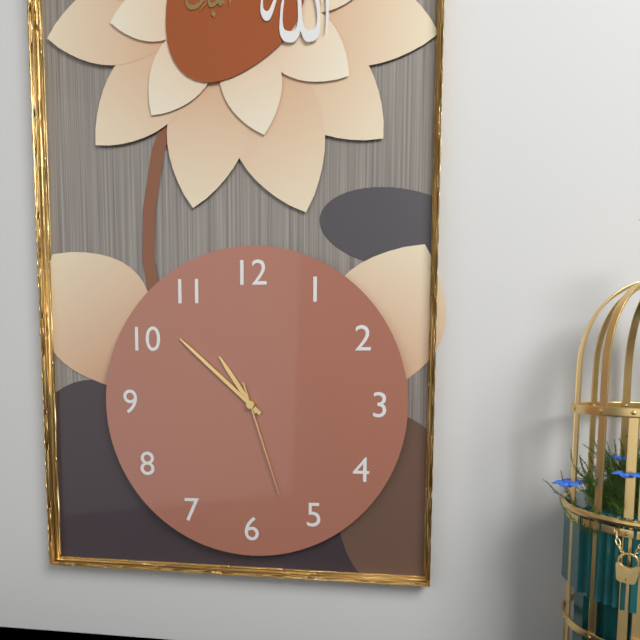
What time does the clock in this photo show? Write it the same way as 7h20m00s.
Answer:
10h52m27s
